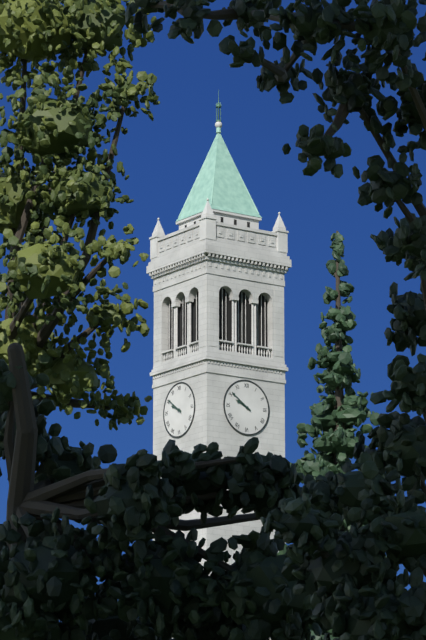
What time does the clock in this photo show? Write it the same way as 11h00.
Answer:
9h51
